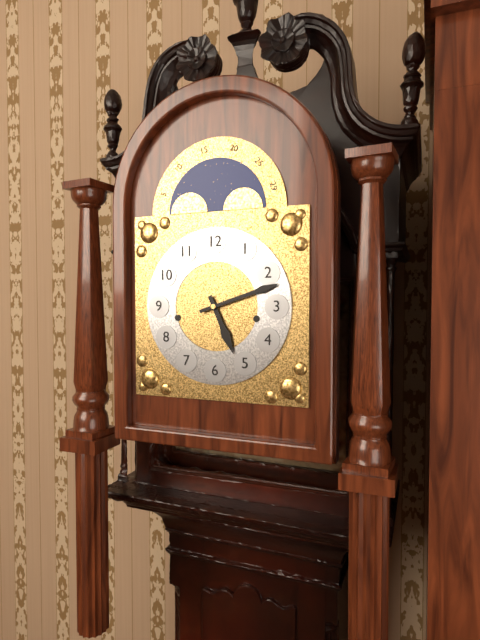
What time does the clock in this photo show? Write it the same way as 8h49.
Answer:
5h12
